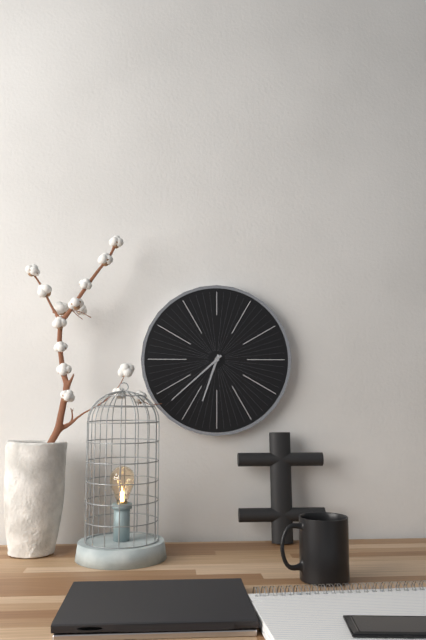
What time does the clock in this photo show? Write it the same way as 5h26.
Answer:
6h38
